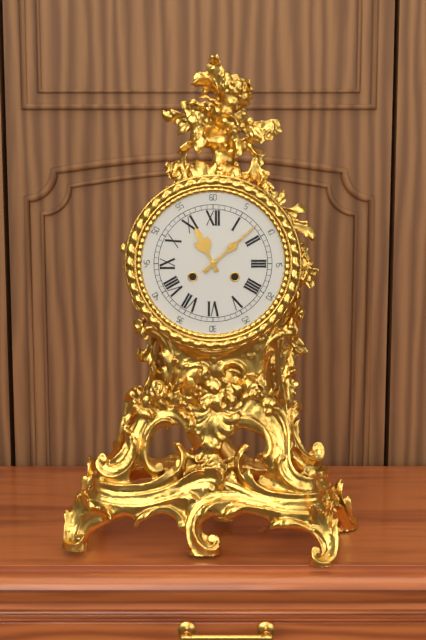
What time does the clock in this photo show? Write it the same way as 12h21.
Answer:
11h08
